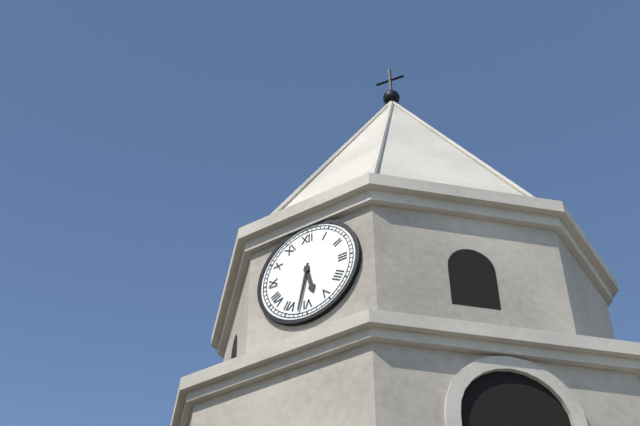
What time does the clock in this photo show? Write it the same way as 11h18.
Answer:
5h32
